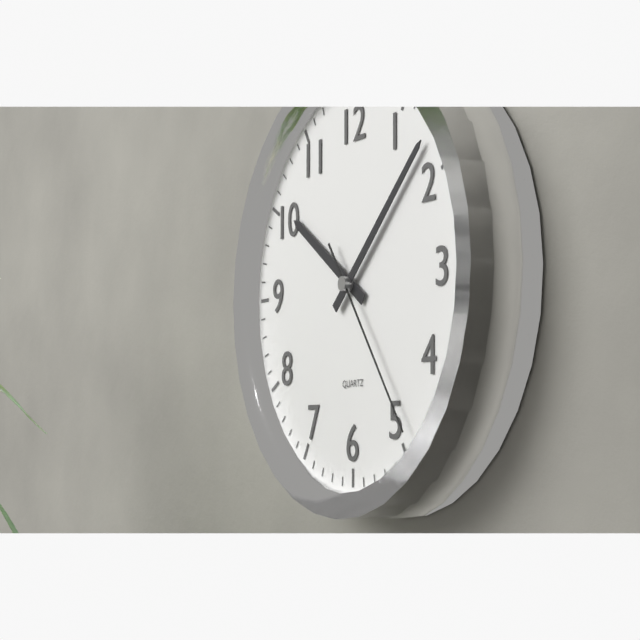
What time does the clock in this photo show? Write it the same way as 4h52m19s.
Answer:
10h08m24s
